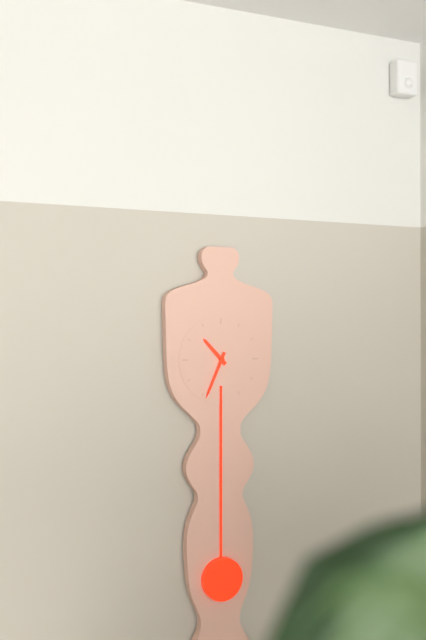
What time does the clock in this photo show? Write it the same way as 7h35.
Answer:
10h34
